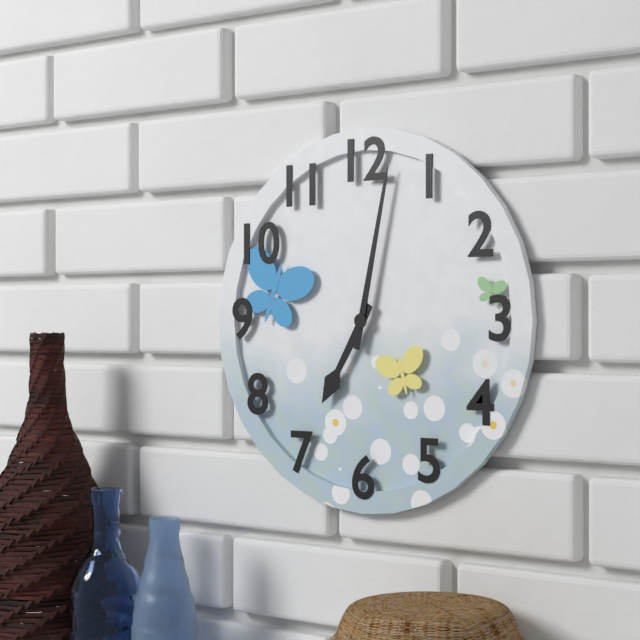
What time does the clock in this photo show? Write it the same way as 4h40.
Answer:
7h02
